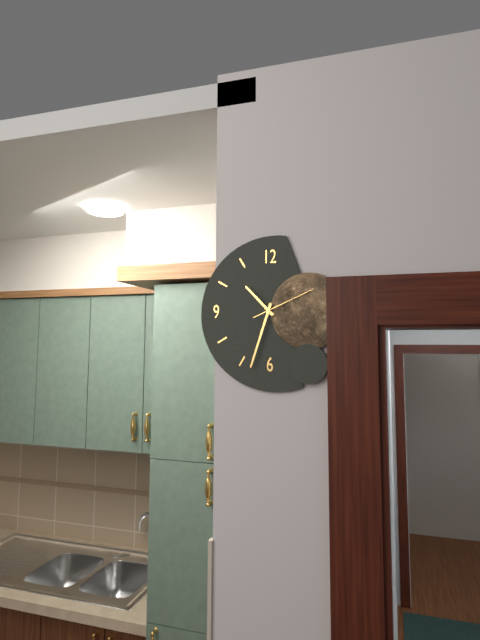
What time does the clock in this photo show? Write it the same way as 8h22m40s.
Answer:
10h33m11s
